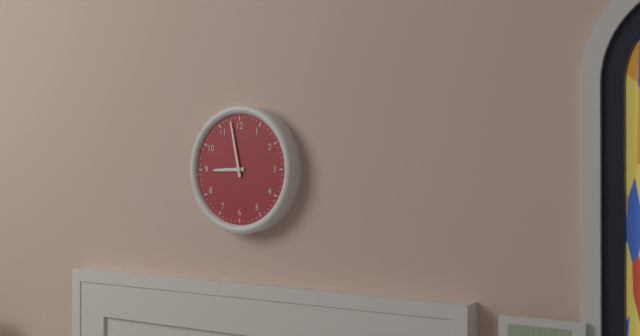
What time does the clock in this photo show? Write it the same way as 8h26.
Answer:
8h58
